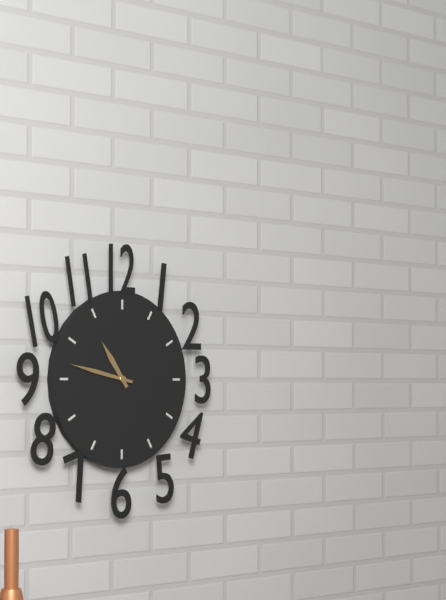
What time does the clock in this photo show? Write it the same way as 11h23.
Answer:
10h47
